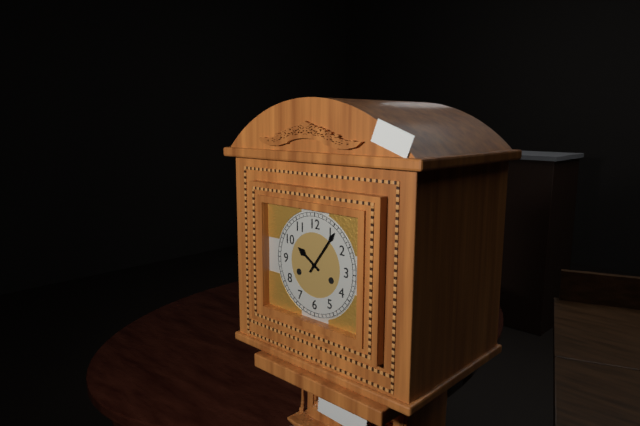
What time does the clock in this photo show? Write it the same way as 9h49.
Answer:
10h06
